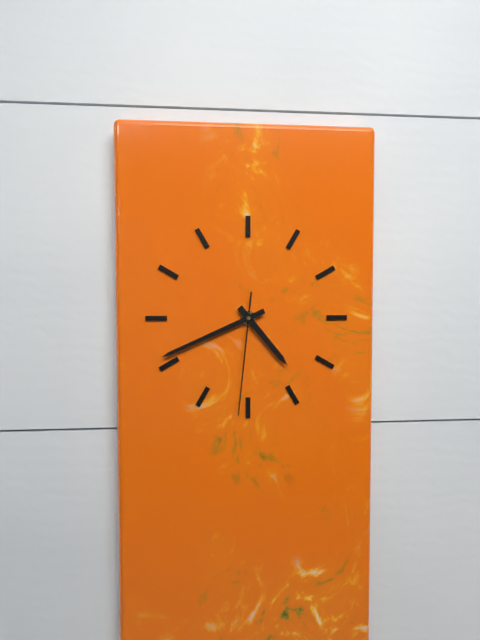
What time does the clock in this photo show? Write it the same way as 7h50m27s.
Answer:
4h41m31s
